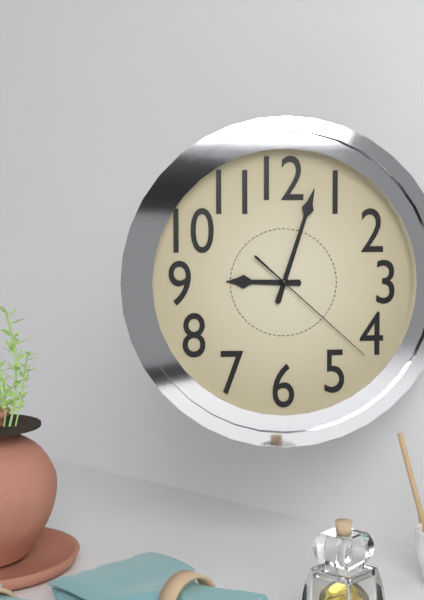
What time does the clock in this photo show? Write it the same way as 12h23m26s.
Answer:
9h03m22s
